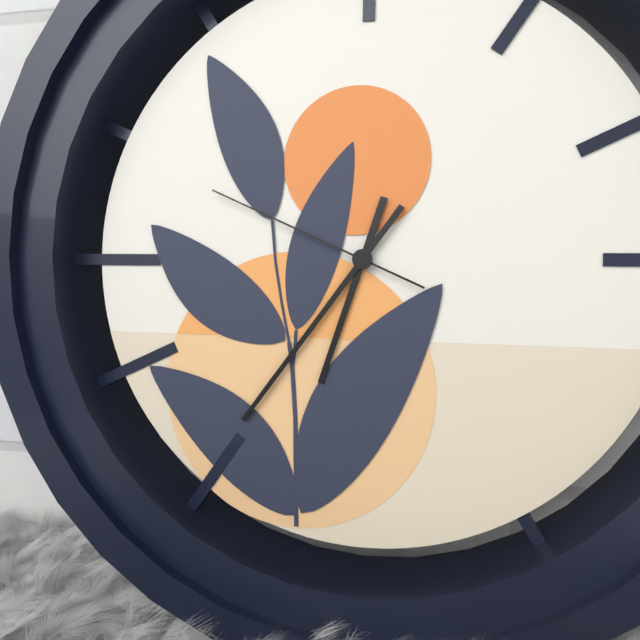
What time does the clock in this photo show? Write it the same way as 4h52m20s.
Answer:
6h36m49s
